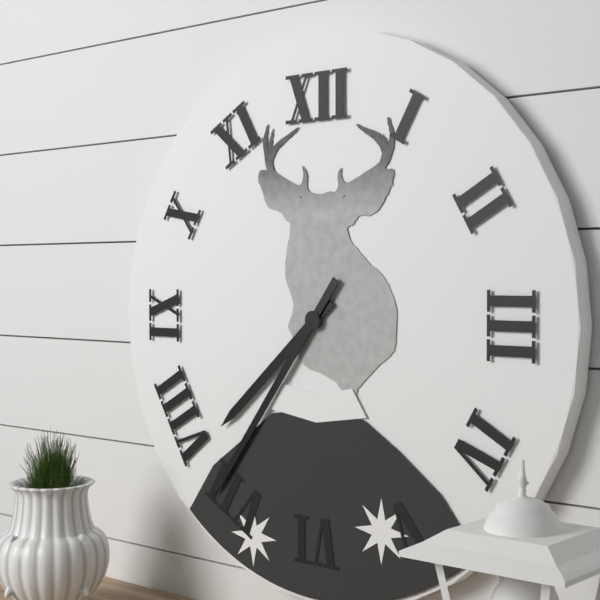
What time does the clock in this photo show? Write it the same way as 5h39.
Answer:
7h36
